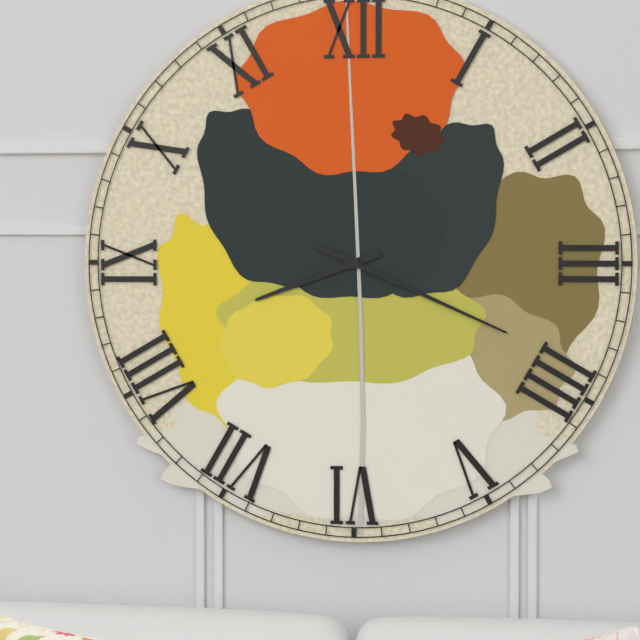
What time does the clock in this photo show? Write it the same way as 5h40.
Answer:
8h19
